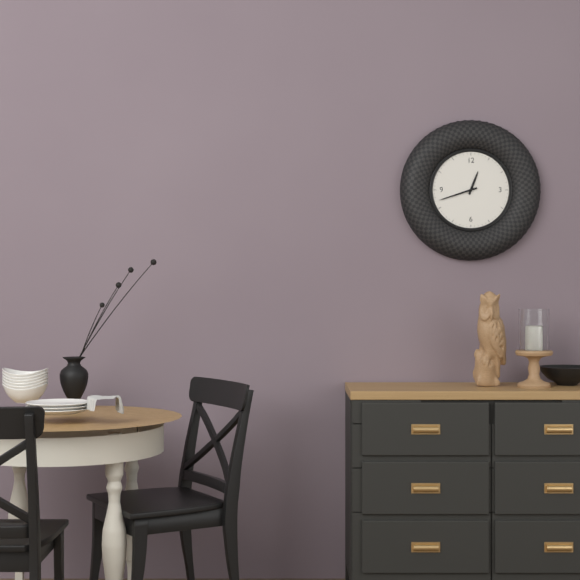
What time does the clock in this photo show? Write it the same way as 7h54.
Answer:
12h42
